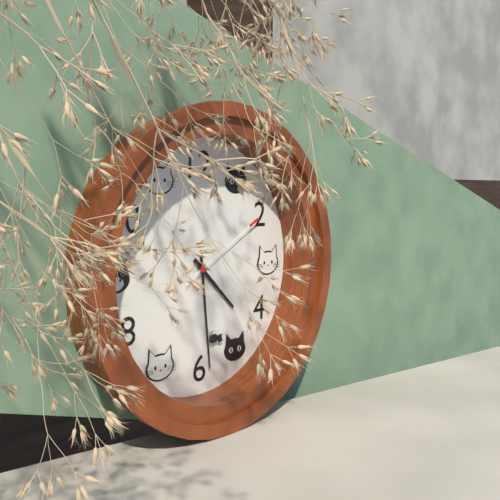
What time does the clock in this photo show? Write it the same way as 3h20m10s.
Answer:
4h29m10s
